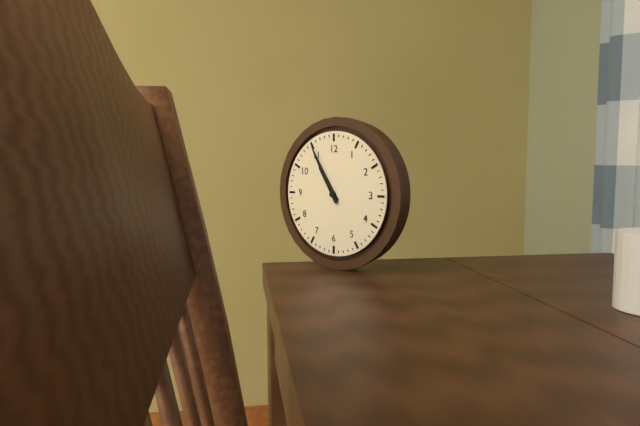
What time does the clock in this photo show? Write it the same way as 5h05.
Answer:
10h55
